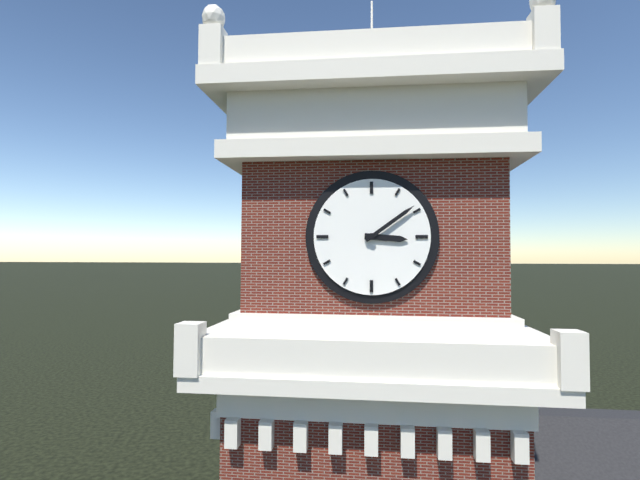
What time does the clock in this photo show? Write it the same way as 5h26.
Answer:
3h09
